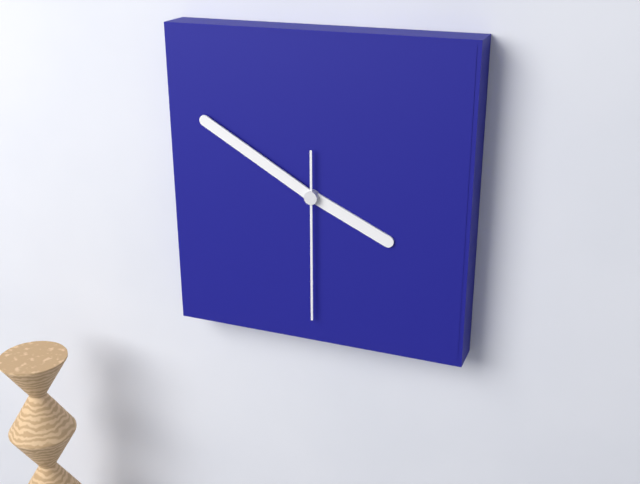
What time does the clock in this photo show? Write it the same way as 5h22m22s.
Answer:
3h50m30s
